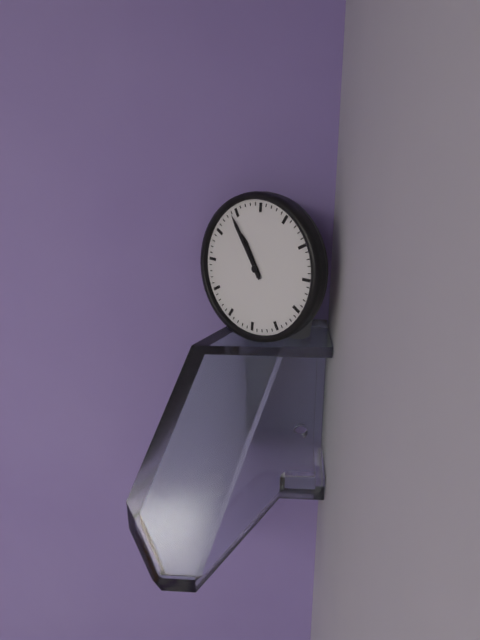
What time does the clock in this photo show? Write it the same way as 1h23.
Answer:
10h54
